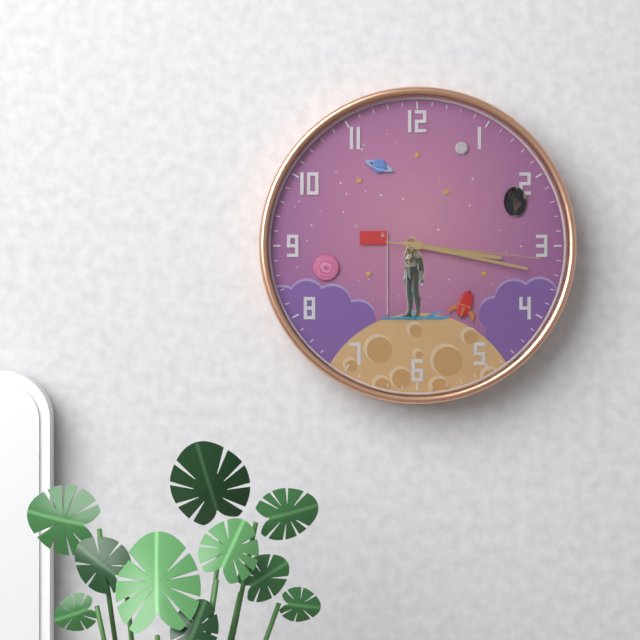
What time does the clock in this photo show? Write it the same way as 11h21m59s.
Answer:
3h17m16s
